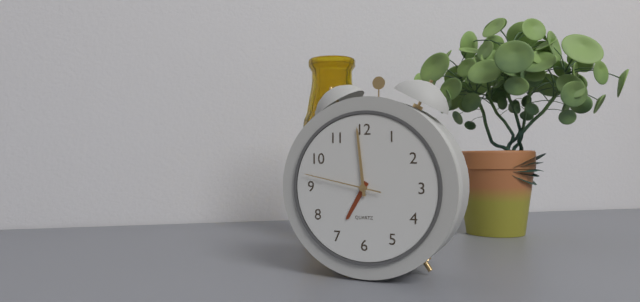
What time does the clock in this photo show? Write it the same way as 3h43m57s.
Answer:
6h59m47s
